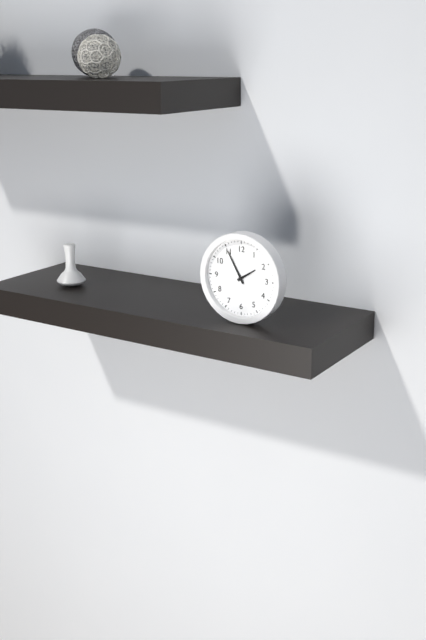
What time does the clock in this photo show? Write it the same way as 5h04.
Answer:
1h55
